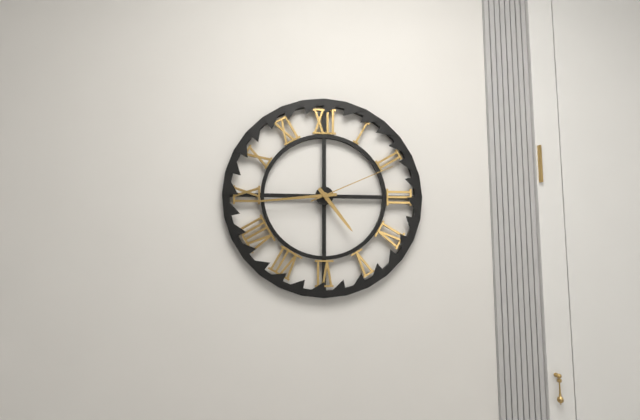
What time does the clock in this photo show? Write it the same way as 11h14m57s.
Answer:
4h44m11s
